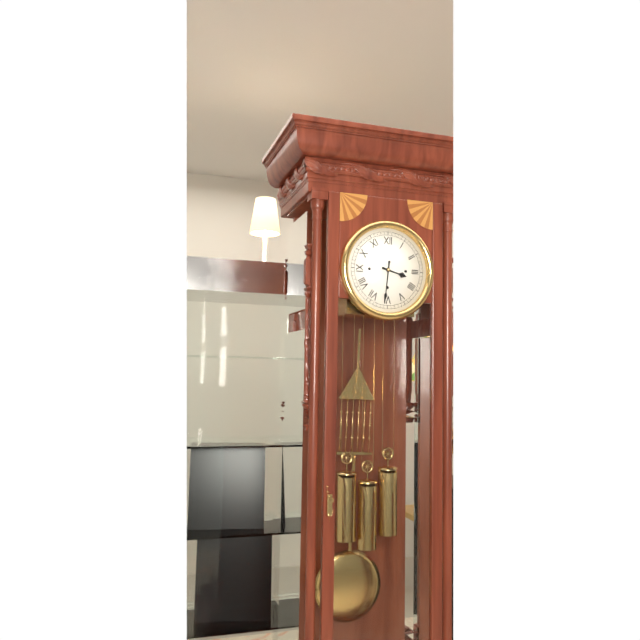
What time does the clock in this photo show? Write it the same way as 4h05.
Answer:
3h31
